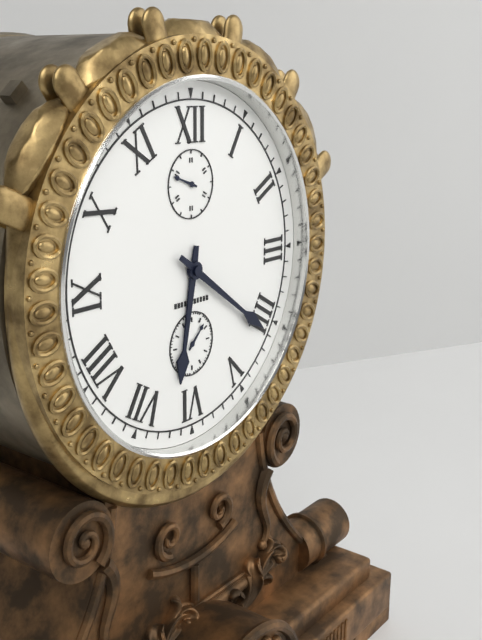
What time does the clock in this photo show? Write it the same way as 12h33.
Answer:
6h21
